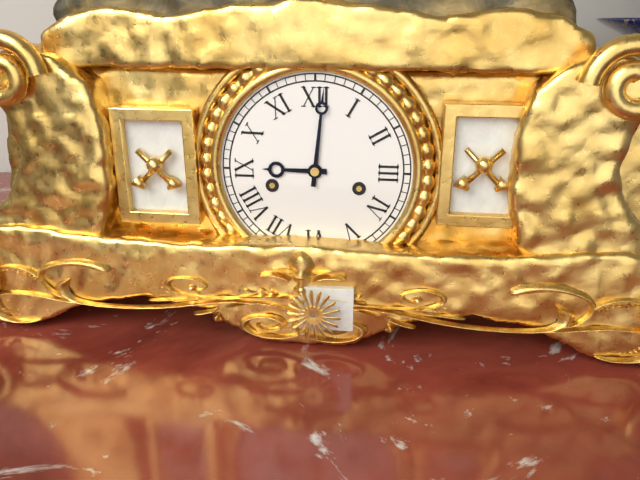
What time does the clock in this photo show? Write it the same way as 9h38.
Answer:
9h01
